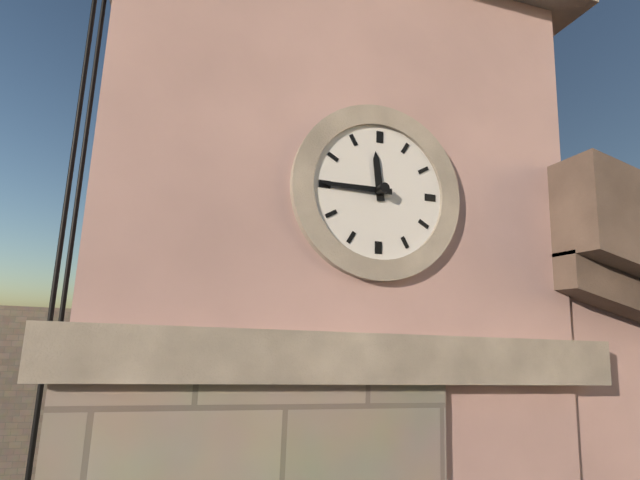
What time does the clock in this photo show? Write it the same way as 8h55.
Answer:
11h45
